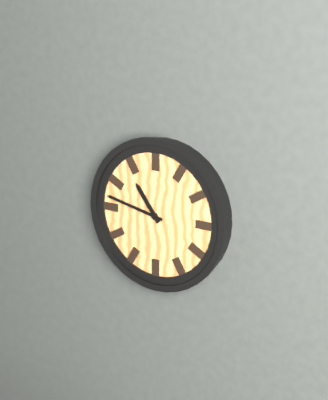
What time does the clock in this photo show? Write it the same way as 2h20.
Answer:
10h47
